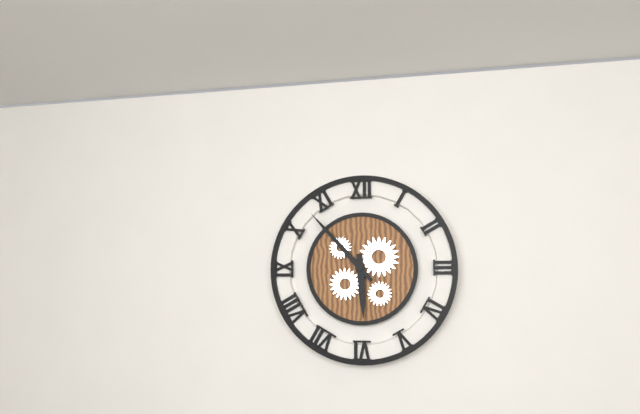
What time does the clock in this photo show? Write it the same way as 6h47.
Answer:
5h53
